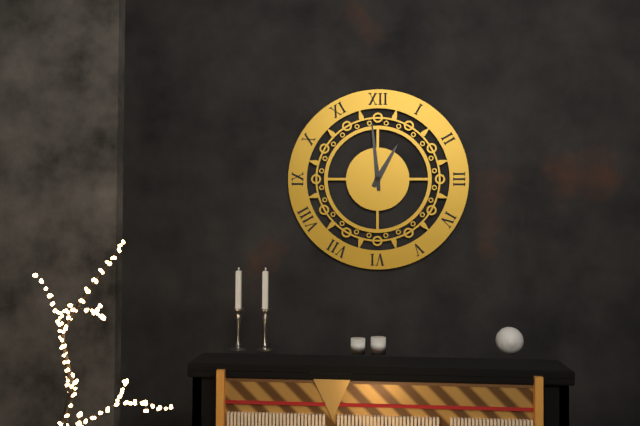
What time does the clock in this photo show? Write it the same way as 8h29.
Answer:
12h59
